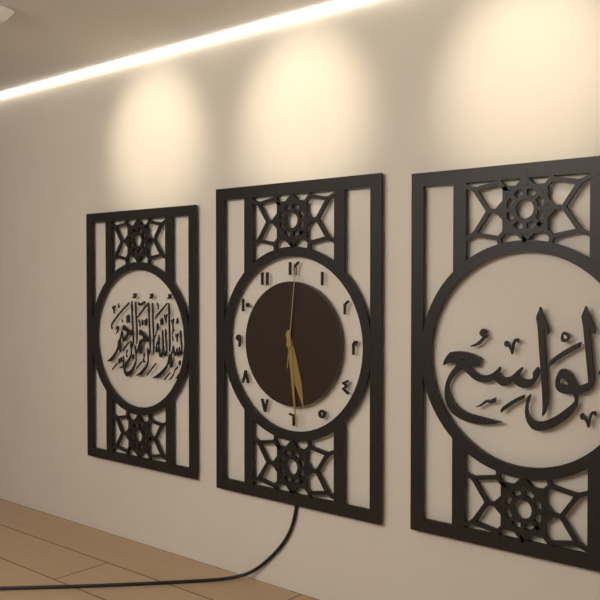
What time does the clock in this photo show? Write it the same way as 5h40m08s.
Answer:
5h29m01s
